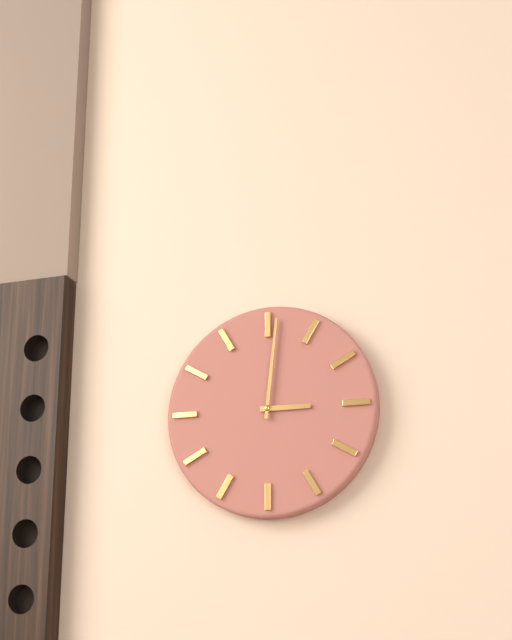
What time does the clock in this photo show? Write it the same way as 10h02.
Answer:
3h01
